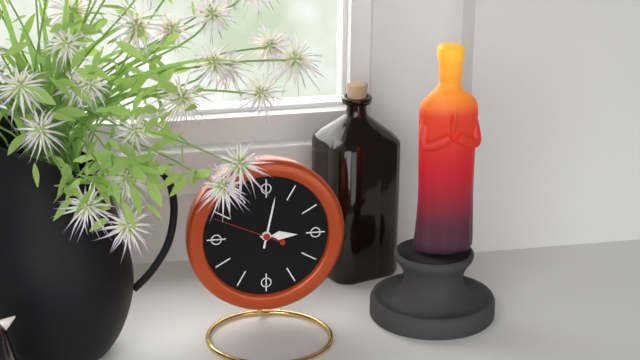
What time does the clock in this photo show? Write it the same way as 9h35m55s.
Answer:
3h02m49s
